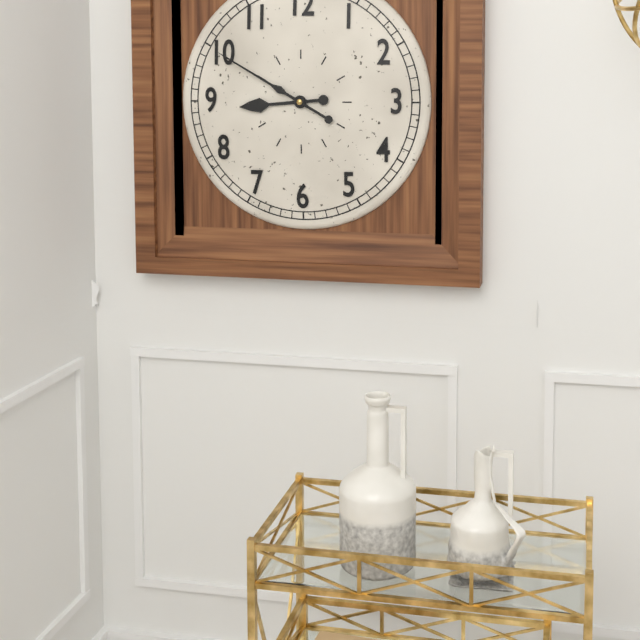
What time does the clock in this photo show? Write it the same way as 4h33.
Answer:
8h50
